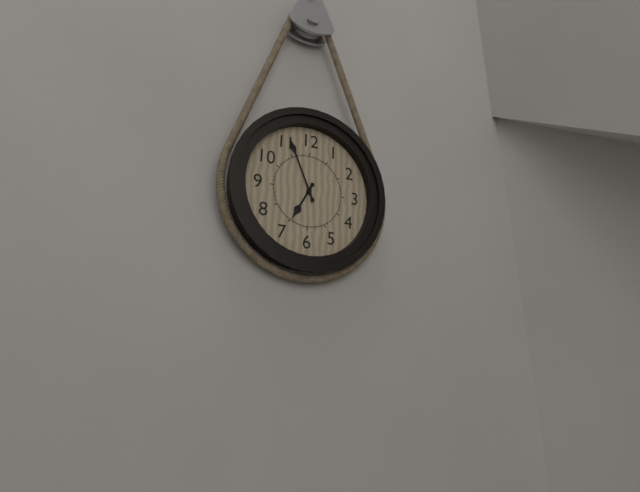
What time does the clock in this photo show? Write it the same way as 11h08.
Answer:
6h56
